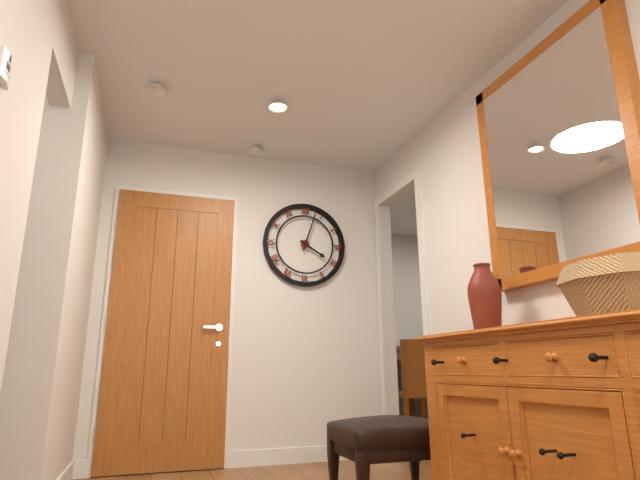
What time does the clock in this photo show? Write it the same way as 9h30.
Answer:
4h03
